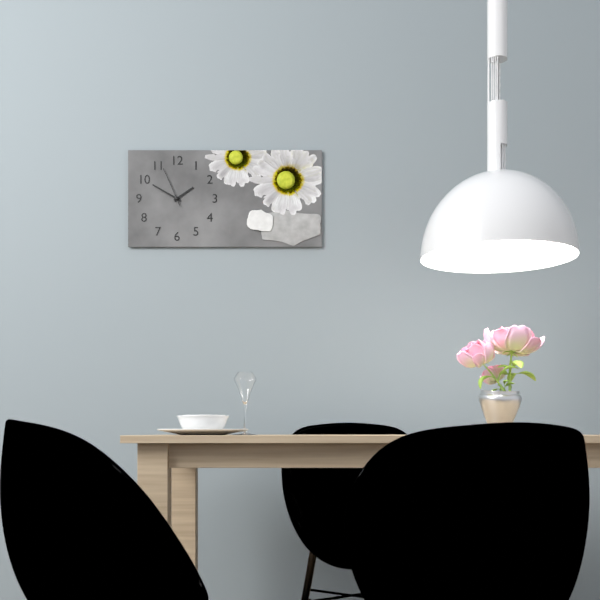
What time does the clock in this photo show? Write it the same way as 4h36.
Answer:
1h50
